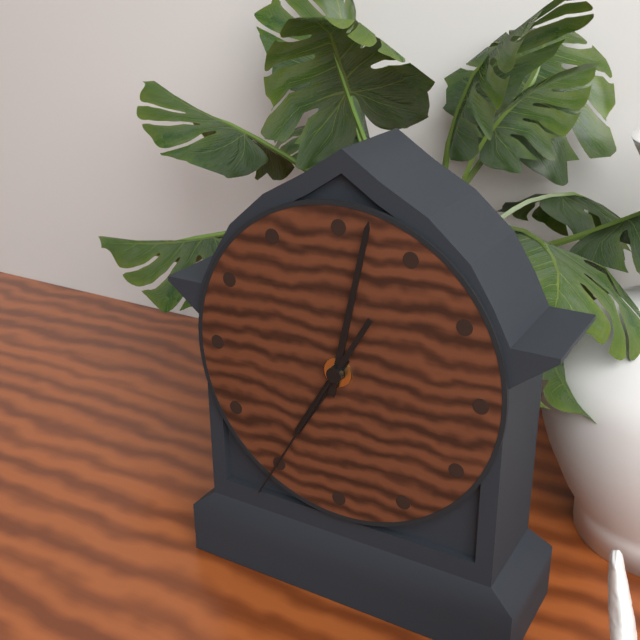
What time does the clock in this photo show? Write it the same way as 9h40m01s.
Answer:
7h02m35s
